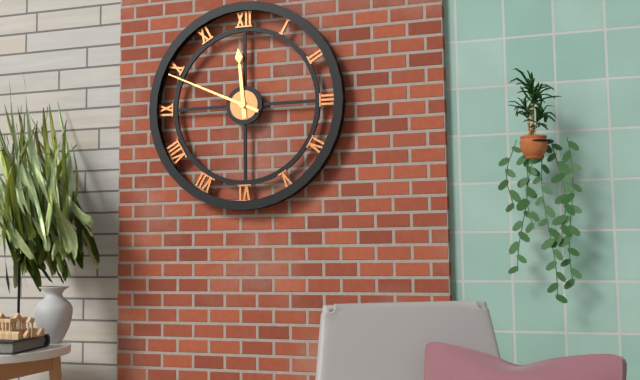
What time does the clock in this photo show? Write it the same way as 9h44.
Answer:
11h49
